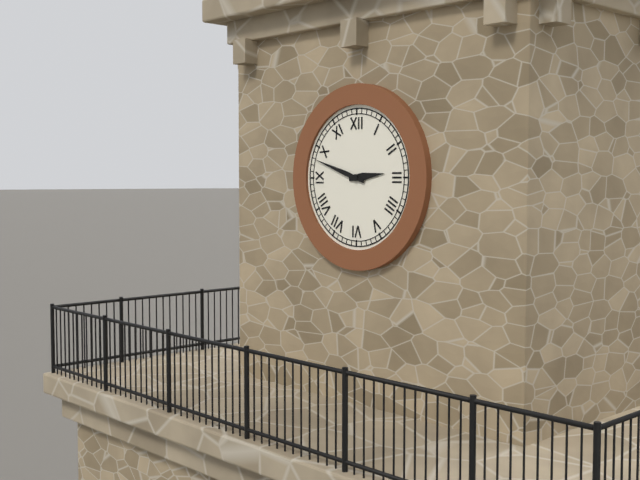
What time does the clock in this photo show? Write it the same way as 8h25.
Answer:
2h48
